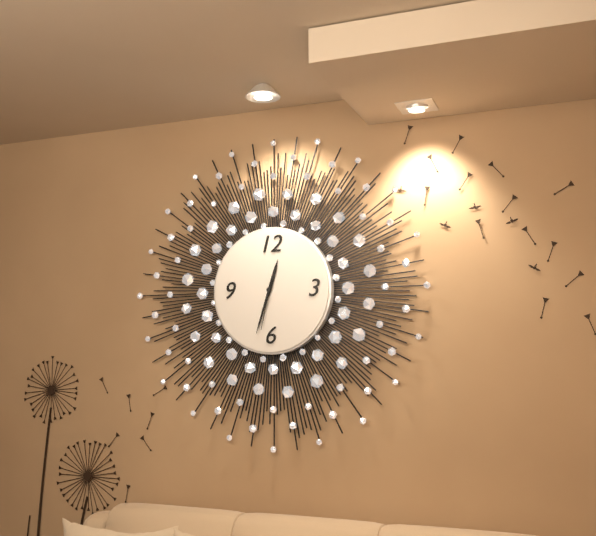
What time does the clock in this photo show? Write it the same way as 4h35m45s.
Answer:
12h33m32s
